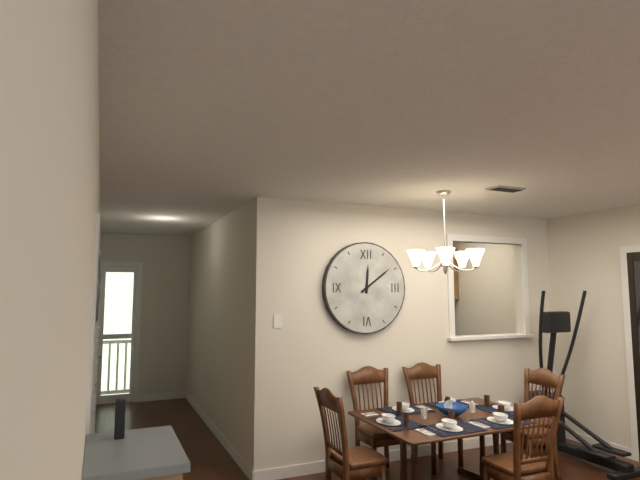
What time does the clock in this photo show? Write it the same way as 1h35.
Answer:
12h09
